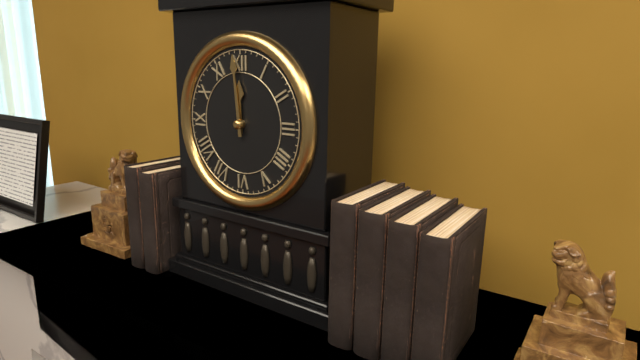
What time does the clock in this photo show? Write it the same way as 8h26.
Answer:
11h59
